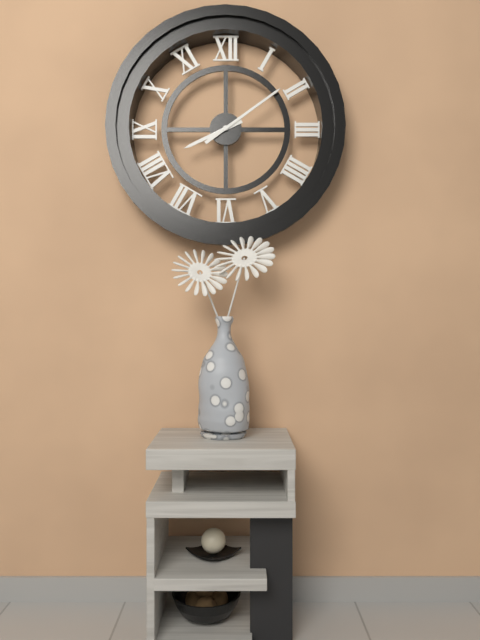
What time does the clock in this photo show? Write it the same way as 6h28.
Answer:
8h09
